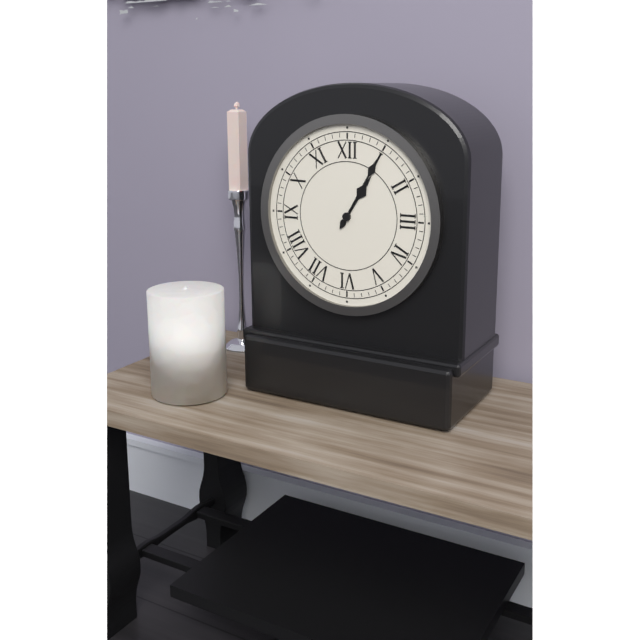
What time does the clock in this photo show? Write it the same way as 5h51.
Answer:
1h05
